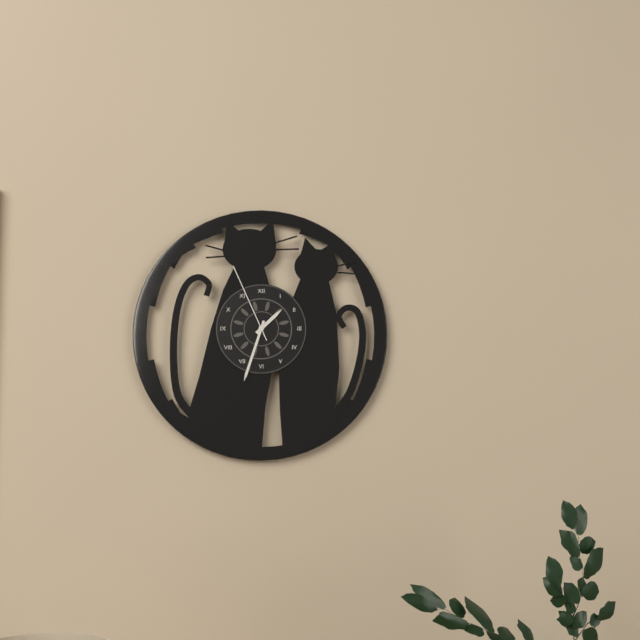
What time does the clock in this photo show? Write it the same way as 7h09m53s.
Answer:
1h33m56s
